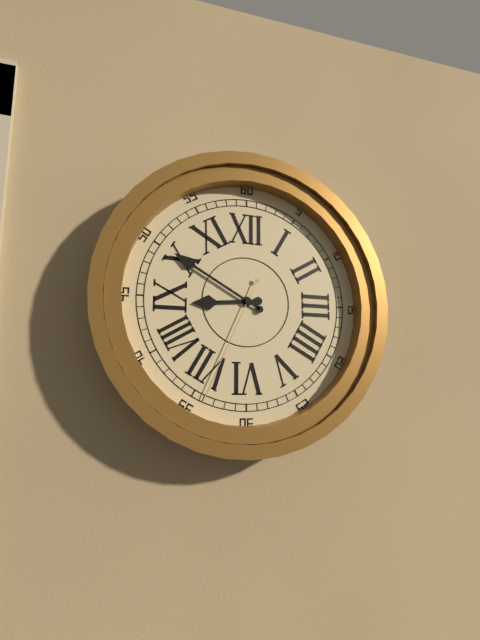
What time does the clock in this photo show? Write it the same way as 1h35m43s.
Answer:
8h50m34s
